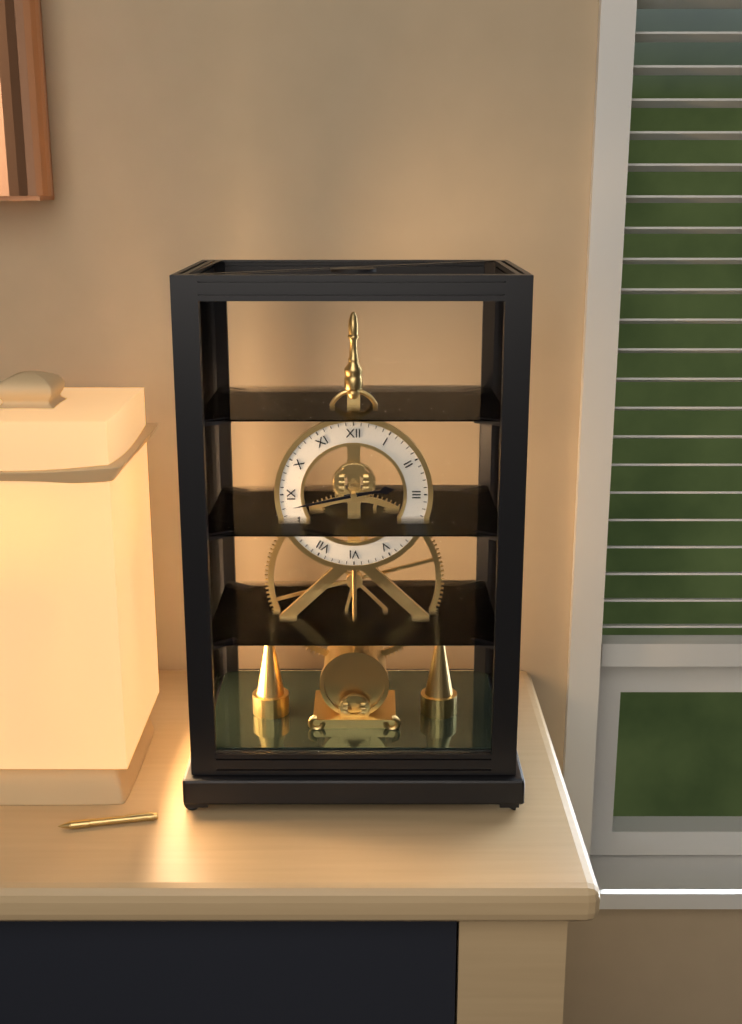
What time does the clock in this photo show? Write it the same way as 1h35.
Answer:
2h43
